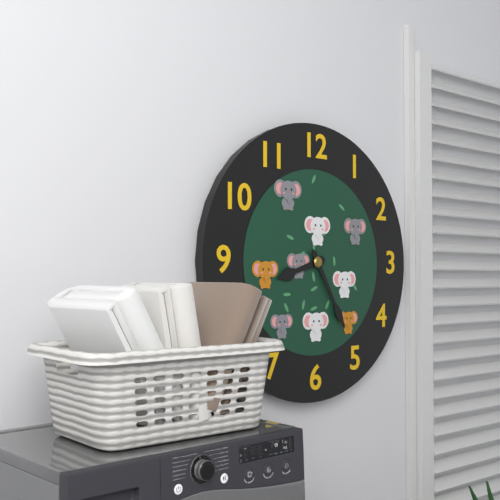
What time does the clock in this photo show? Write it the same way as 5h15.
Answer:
8h25
